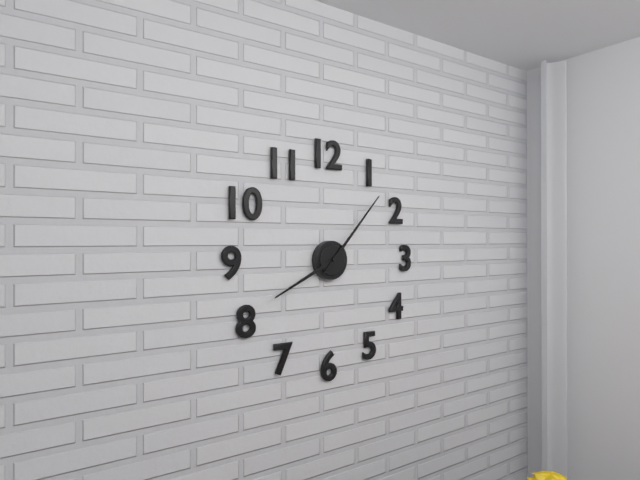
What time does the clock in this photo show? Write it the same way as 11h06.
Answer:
8h07
